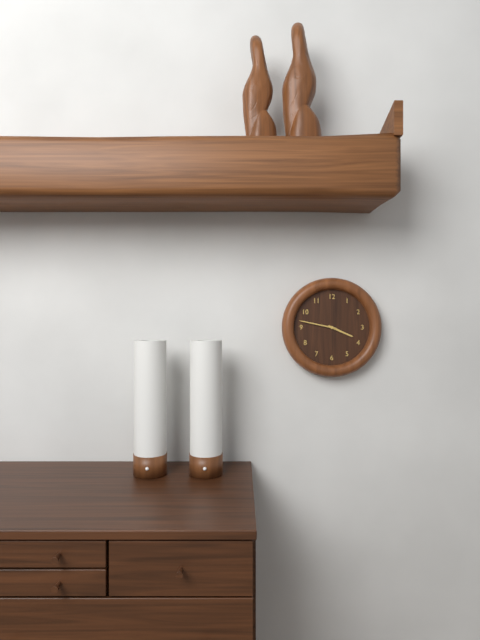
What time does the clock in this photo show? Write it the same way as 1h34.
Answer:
3h47
